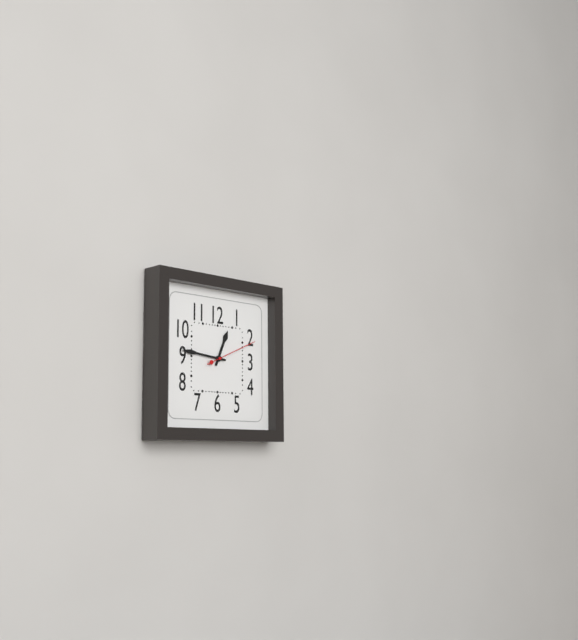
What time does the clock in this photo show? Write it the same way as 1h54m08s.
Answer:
12h46m11s
